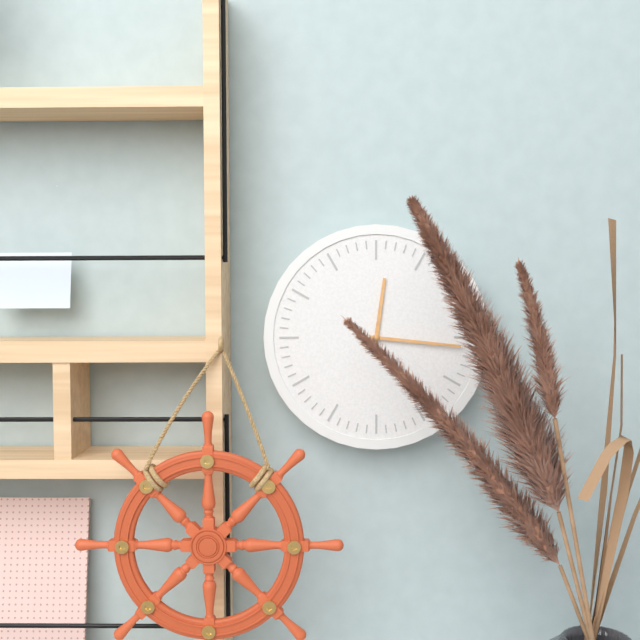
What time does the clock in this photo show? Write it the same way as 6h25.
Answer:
12h16
